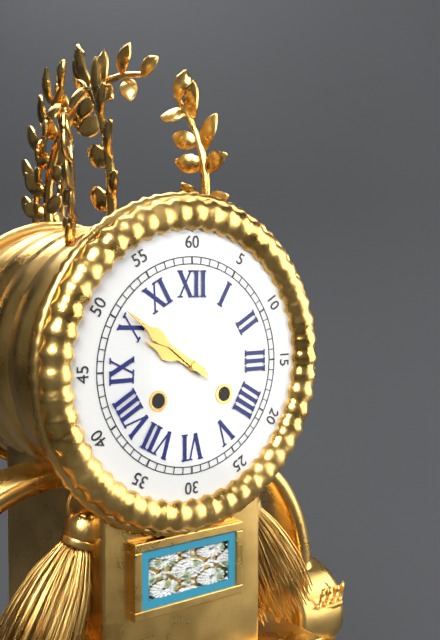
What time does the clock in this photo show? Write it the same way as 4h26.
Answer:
9h51
